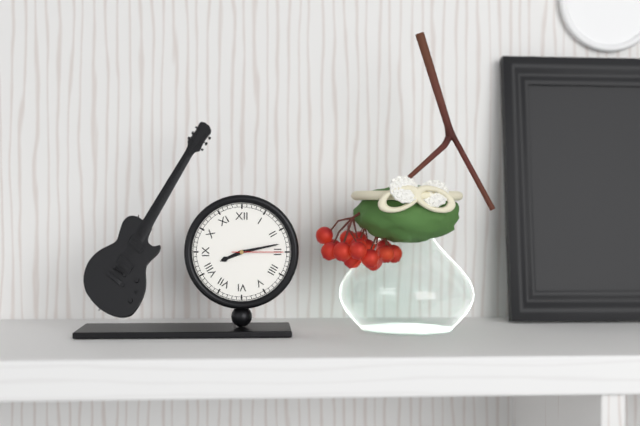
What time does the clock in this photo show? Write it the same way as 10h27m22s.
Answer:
8h13m15s
